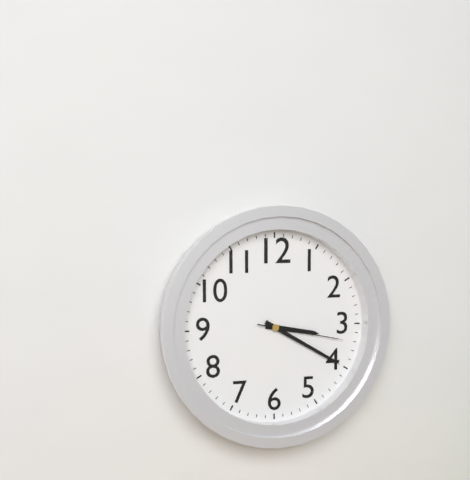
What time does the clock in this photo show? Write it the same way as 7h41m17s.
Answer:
3h20m17s
